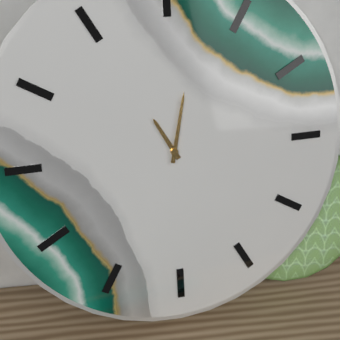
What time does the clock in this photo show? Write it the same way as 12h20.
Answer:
11h02
